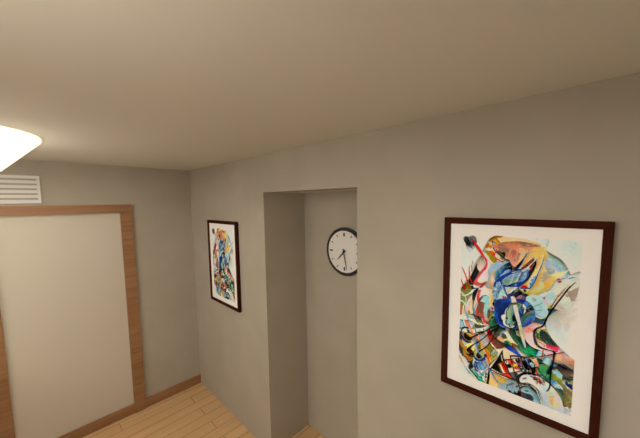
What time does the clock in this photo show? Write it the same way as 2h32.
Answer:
7h28
